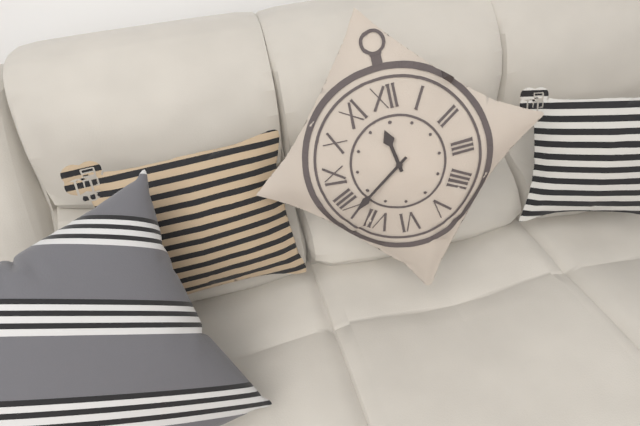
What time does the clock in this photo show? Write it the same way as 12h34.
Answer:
11h39
